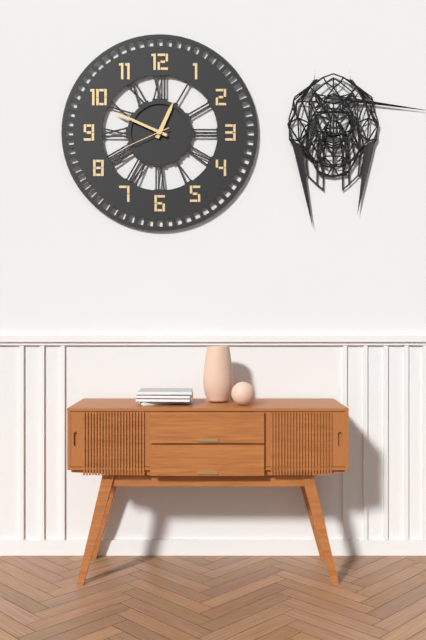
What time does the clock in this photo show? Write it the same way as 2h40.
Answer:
12h49
